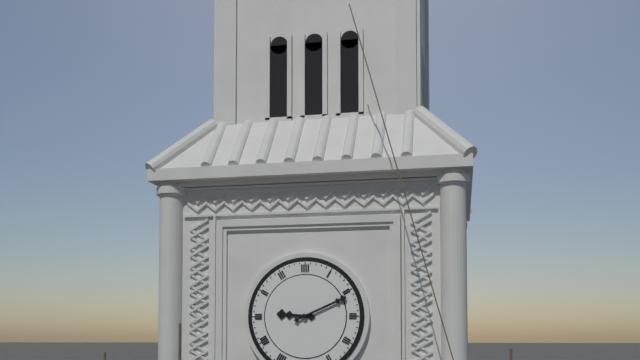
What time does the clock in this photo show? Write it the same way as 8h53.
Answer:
9h11
